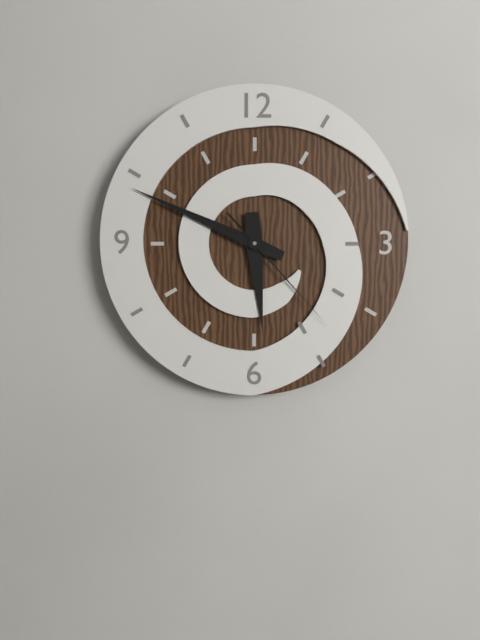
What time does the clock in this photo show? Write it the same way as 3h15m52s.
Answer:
5h49m23s
